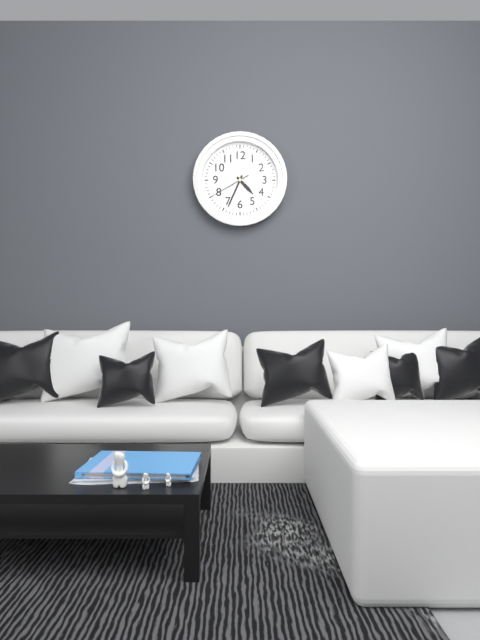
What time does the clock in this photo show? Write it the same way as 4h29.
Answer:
4h34
